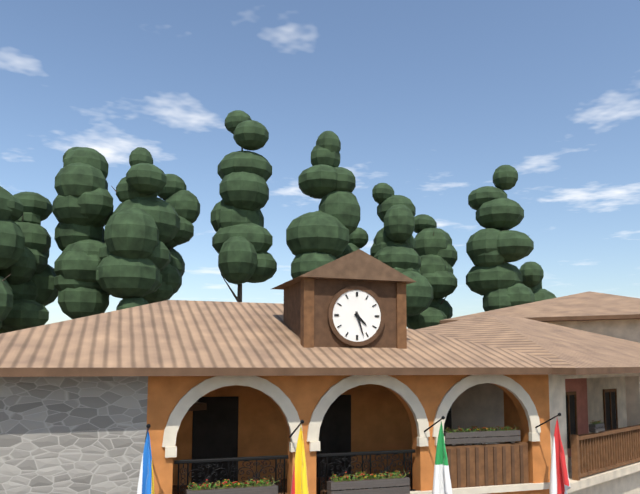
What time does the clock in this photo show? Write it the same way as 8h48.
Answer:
4h27
